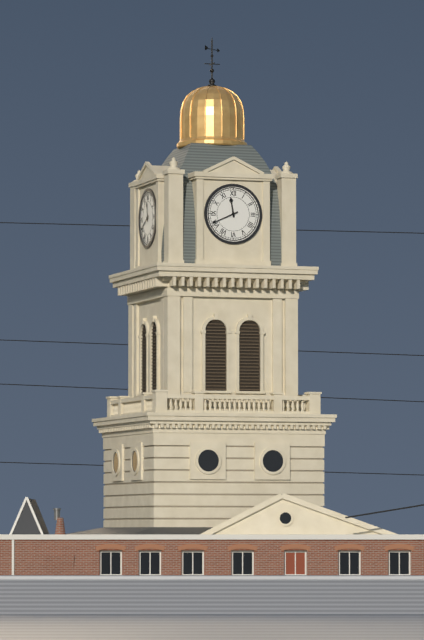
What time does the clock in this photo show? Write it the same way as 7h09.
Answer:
11h41
